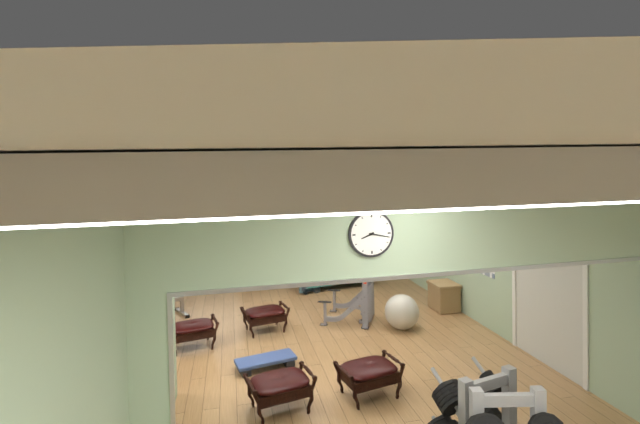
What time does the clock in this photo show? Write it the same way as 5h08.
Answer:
8h17
